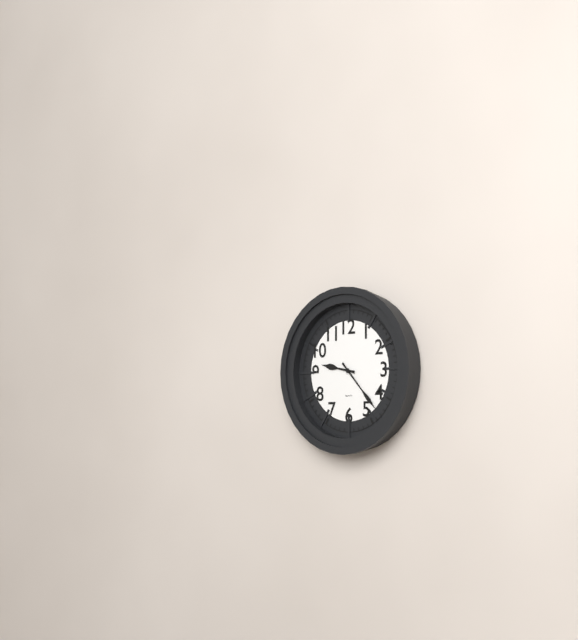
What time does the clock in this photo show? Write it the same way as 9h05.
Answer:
9h23
